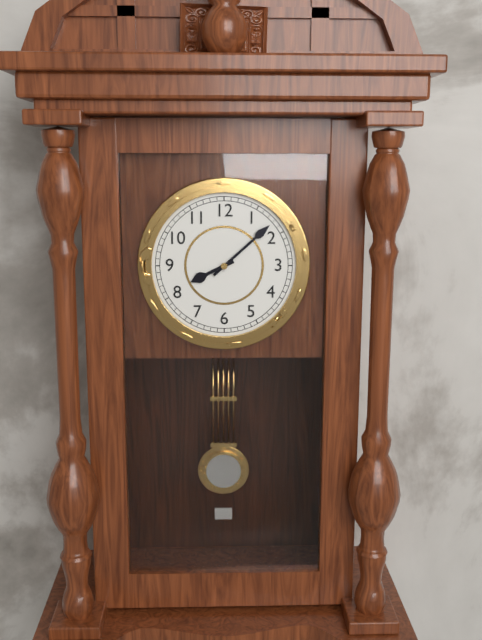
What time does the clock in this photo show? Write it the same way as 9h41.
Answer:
8h08
